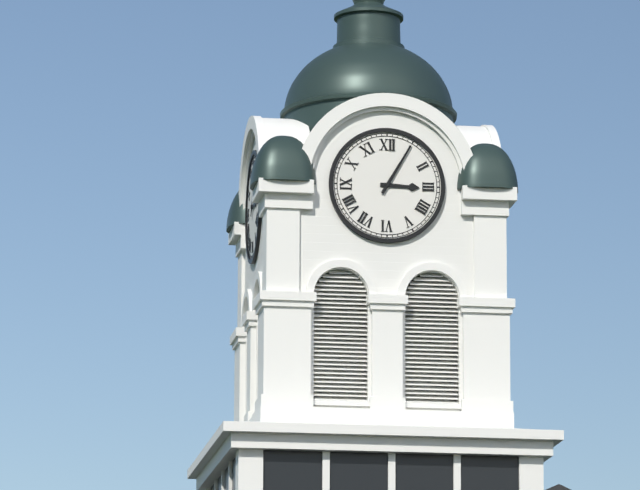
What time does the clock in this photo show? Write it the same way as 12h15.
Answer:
3h05
